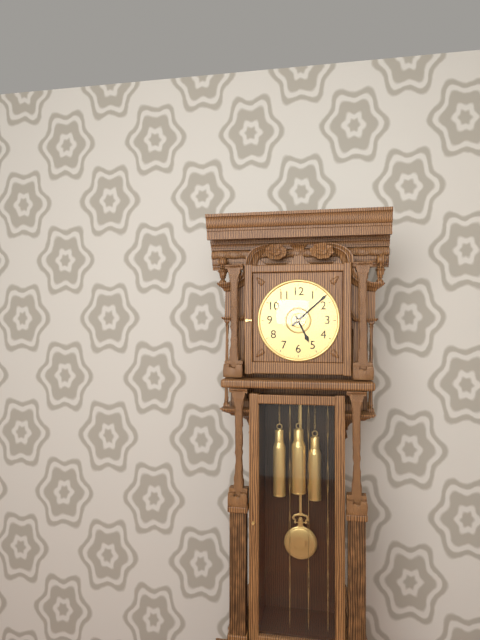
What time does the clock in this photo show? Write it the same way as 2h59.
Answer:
5h08
